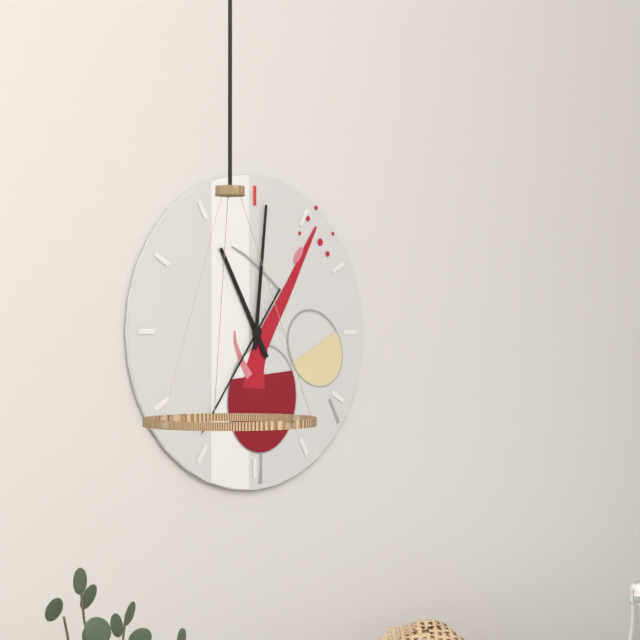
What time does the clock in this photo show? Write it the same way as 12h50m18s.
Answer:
11h01m36s
